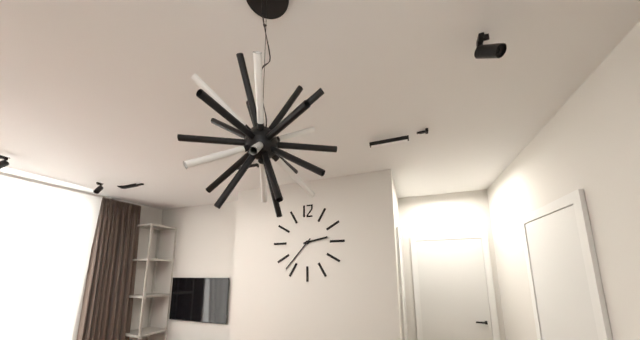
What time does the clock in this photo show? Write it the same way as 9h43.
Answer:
2h37
